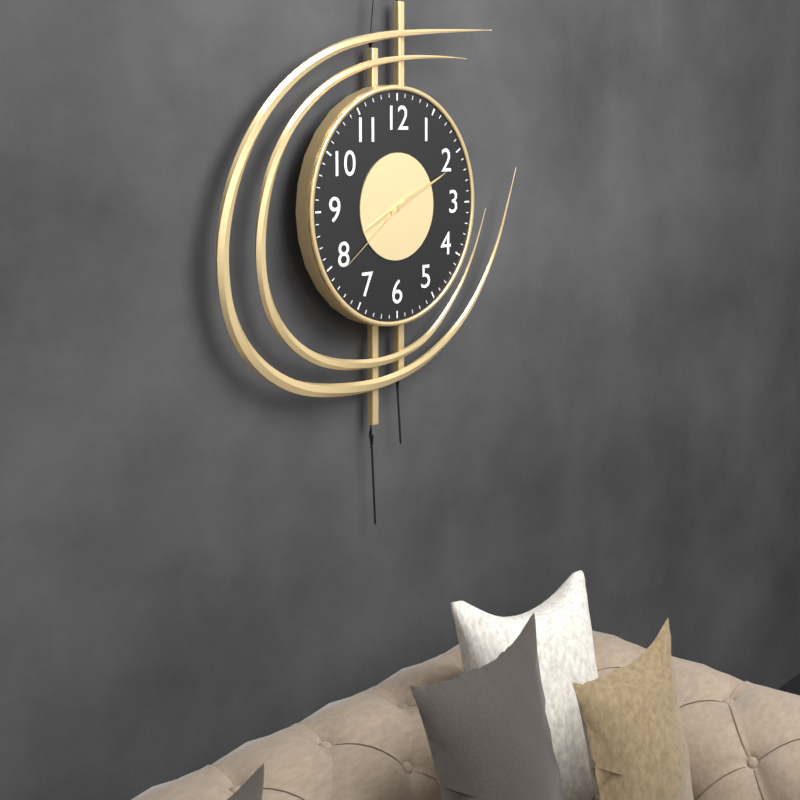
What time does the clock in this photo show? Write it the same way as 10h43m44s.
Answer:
8h11m39s
